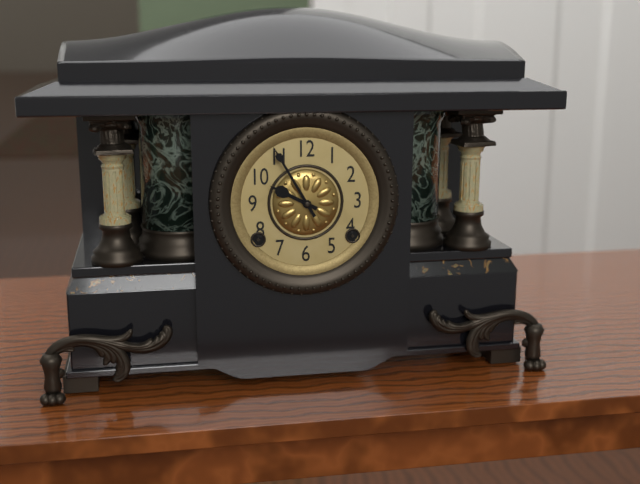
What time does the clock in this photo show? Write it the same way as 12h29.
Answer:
9h55
